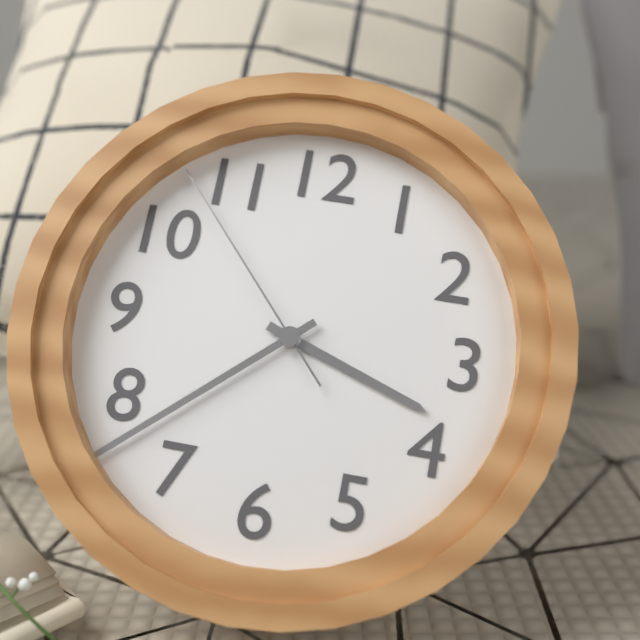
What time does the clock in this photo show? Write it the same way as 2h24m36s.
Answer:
3h38m53s
